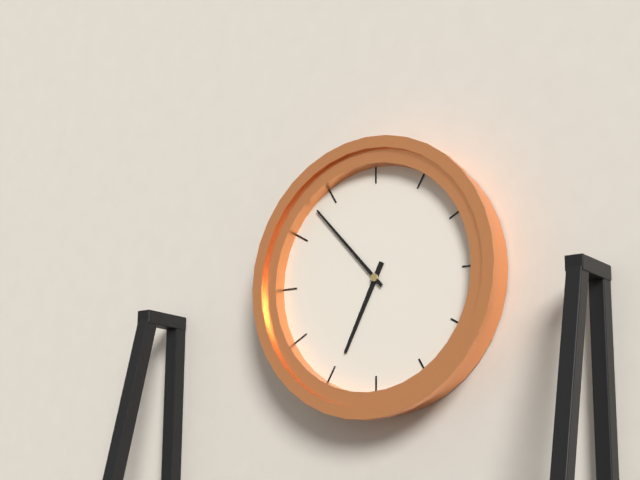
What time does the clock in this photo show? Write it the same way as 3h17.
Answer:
6h53
